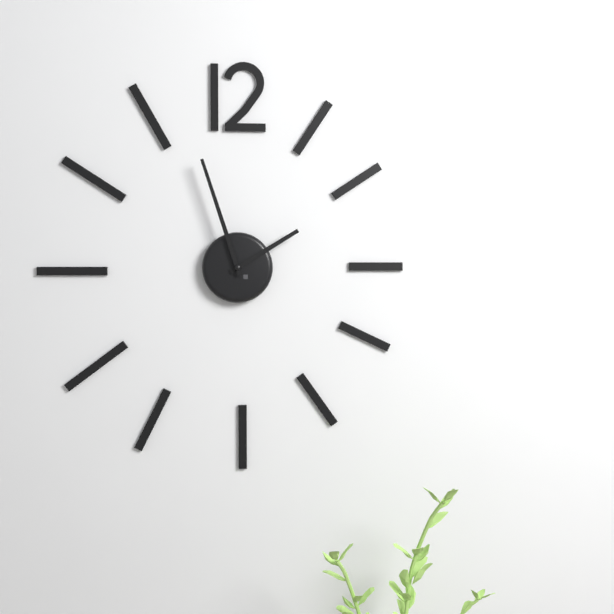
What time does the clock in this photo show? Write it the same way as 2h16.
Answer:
1h57
